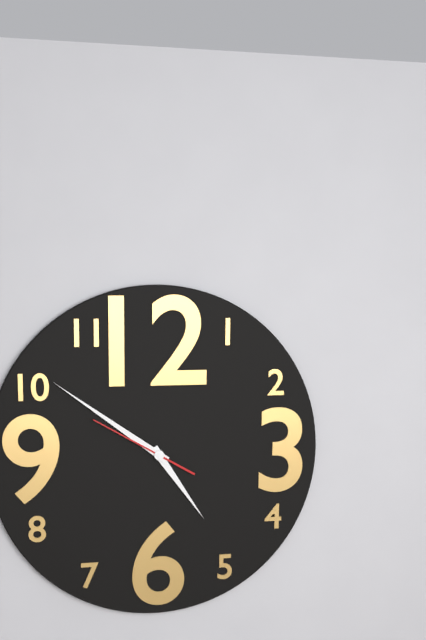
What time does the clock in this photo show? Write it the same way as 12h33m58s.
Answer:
4h51m50s
